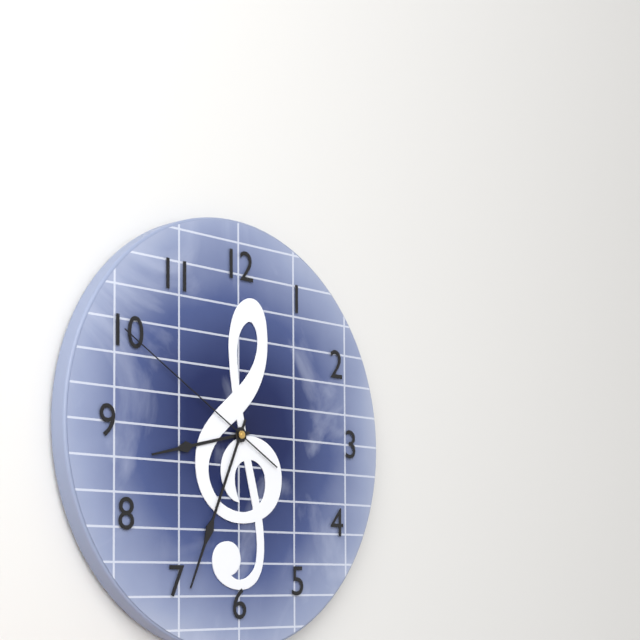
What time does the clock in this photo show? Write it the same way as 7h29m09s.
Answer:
8h34m50s
